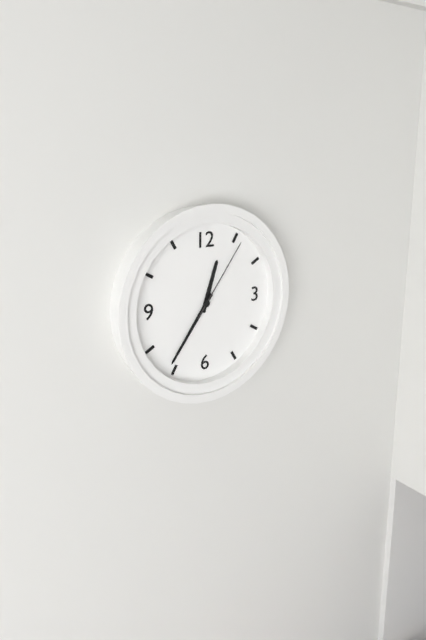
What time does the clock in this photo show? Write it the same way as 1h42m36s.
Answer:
12h36m06s
